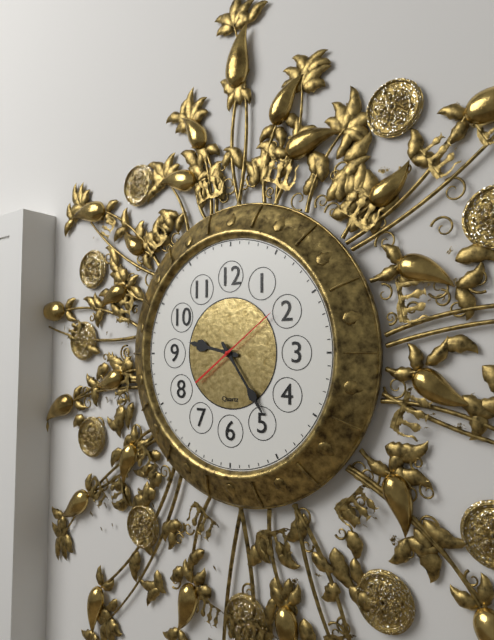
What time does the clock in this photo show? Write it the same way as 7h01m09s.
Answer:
9h24m09s
